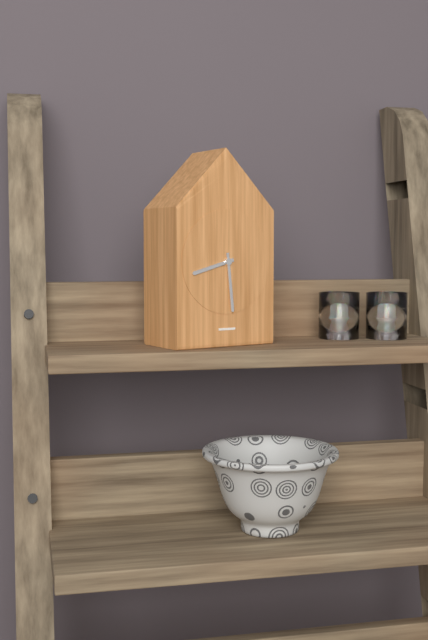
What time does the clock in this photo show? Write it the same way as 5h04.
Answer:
8h29
